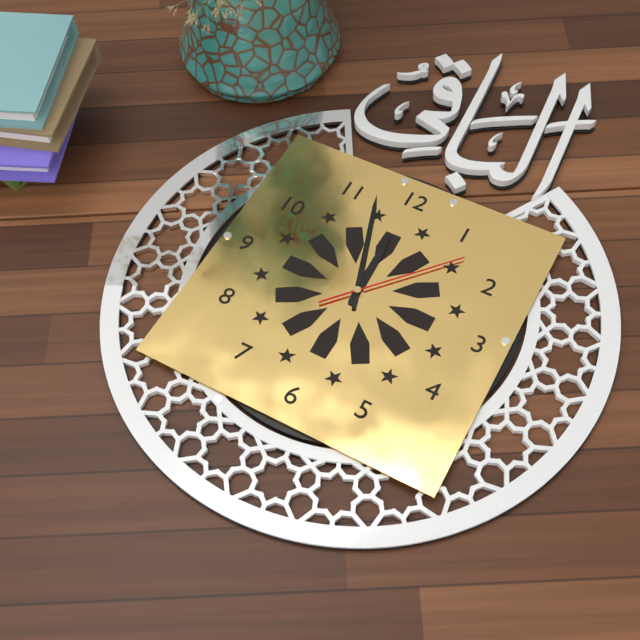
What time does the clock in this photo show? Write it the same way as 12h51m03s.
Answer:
11h57m07s
